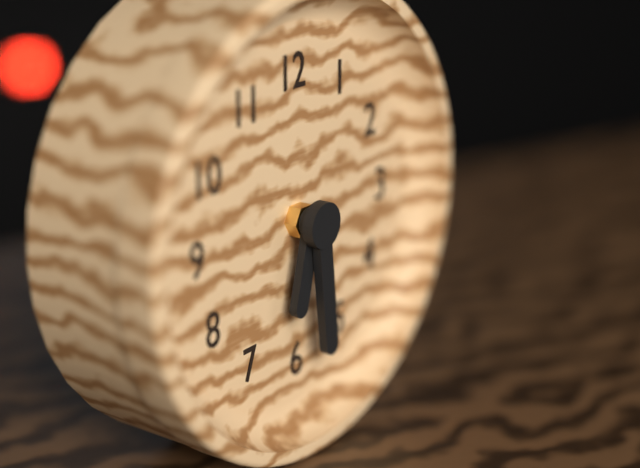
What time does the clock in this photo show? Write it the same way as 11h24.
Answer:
6h29
